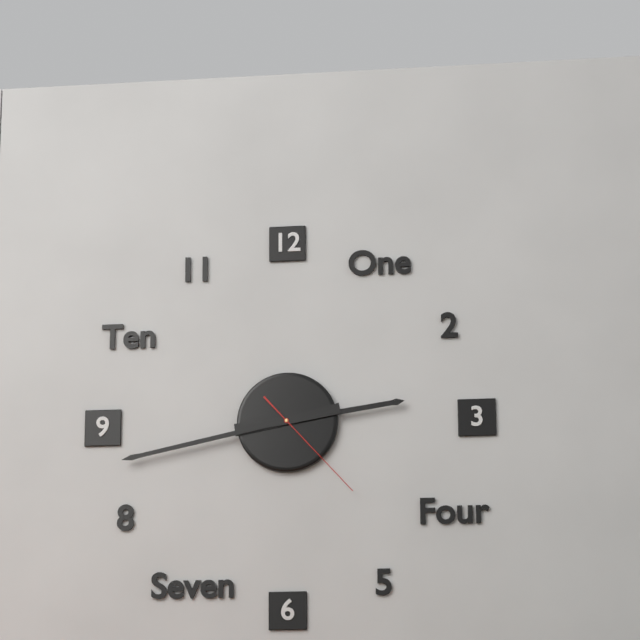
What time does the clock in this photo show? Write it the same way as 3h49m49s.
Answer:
2h43m23s
